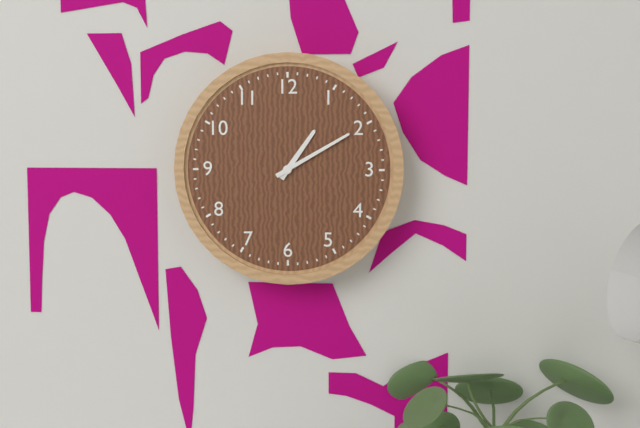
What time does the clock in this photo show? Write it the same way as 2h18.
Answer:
1h10
